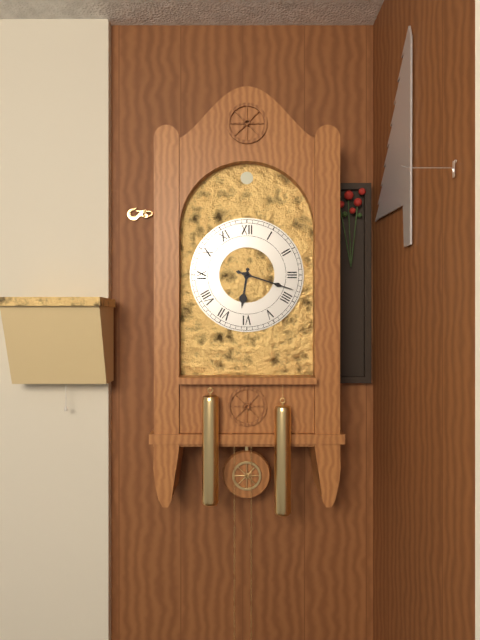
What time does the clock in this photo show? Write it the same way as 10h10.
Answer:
6h18
